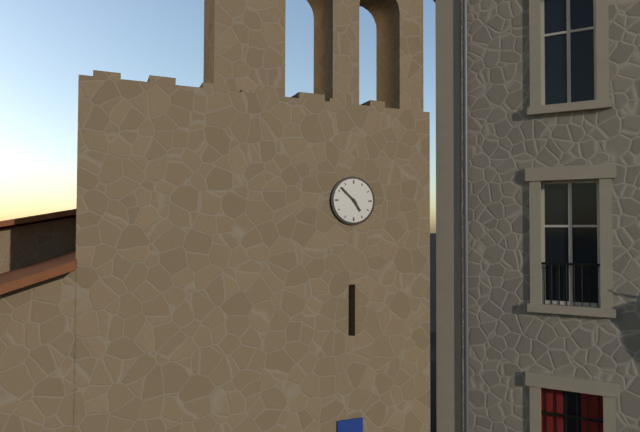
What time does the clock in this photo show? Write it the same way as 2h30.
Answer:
4h52
